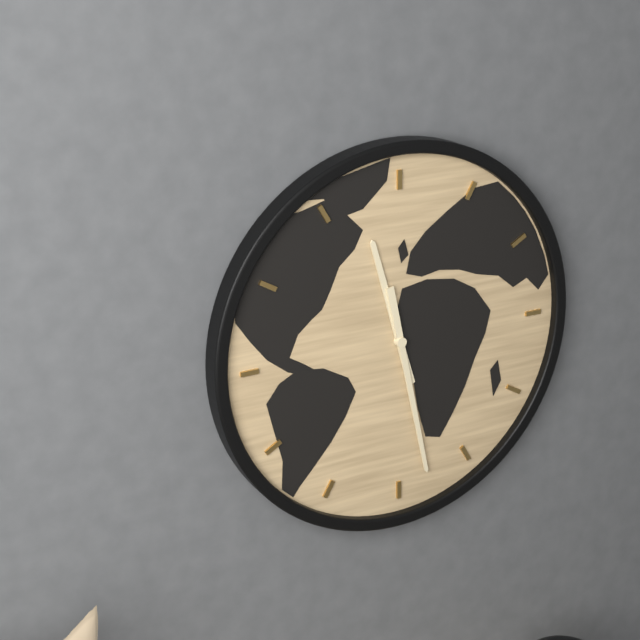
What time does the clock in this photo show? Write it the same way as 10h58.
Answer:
11h28
